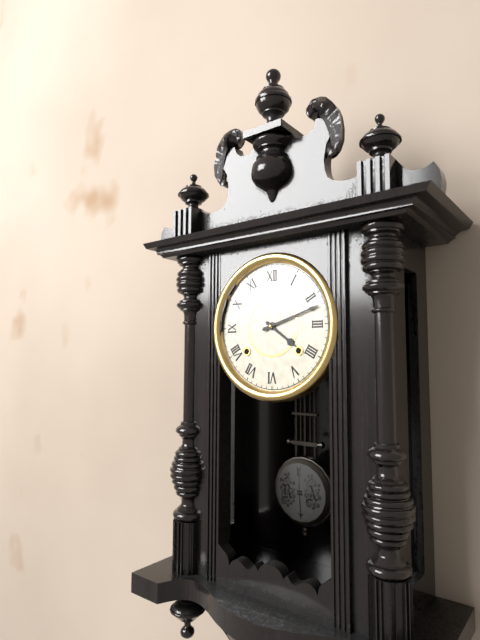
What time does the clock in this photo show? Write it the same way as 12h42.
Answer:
4h12
